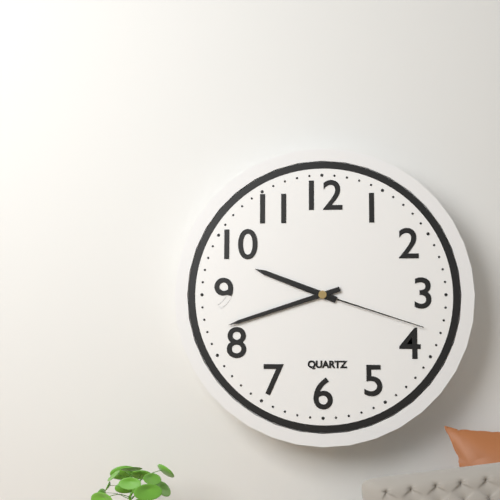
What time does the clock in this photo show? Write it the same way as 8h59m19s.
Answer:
9h42m18s
